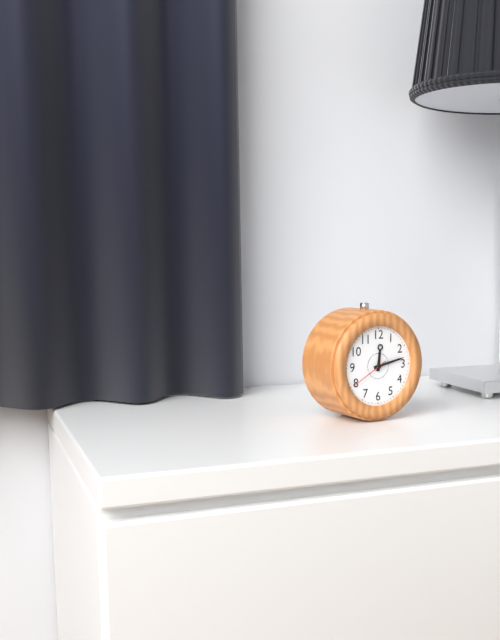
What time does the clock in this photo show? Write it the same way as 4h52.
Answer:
12h13
